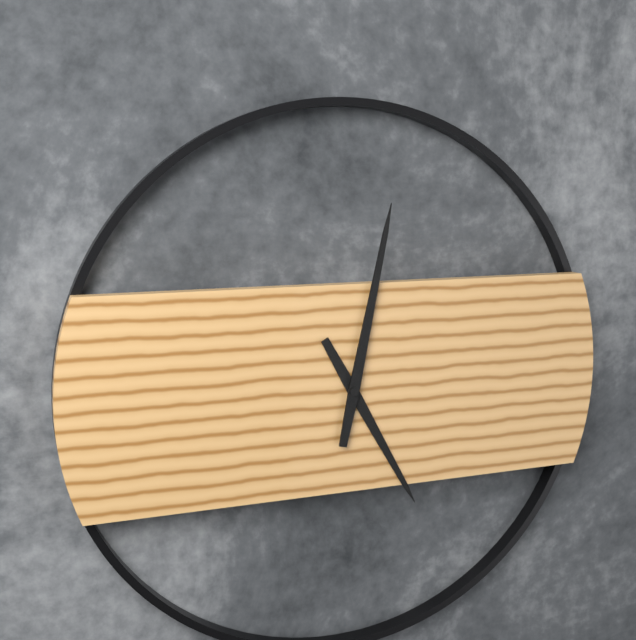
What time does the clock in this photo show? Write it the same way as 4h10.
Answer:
5h02
